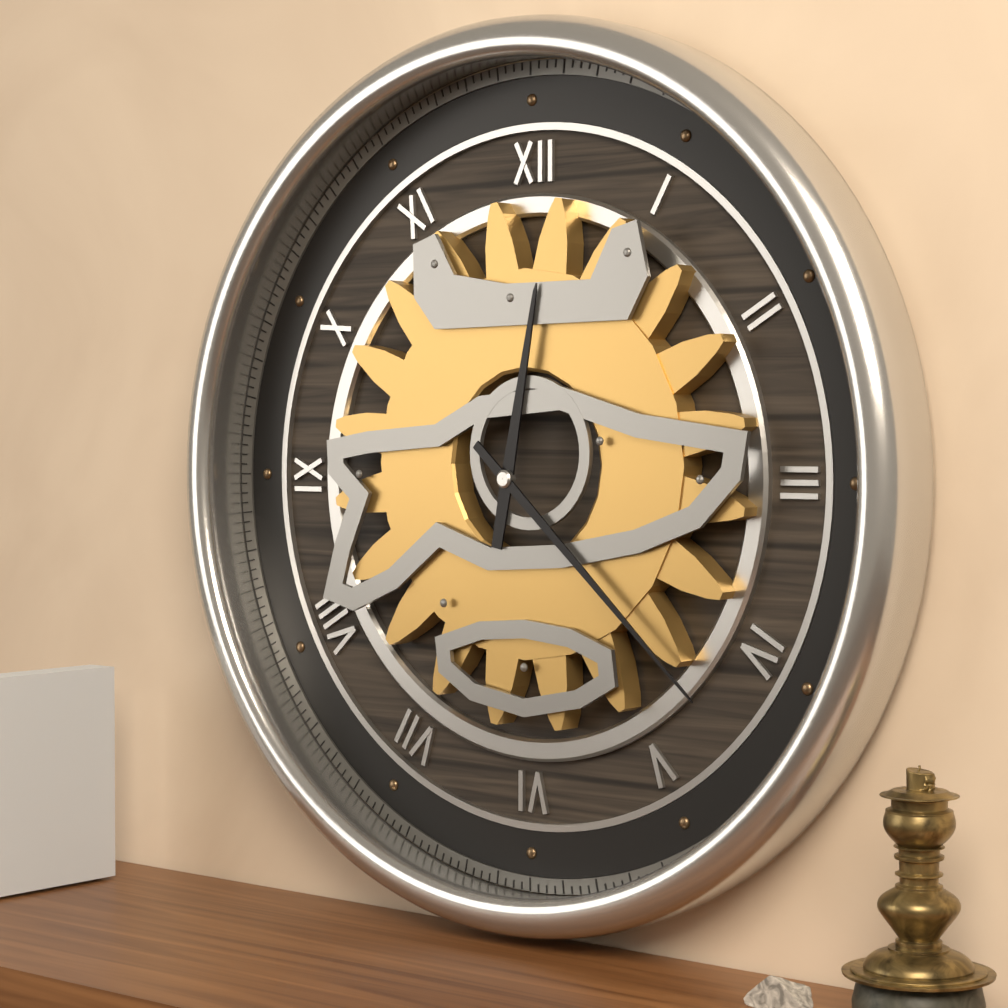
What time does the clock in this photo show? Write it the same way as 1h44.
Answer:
12h22
